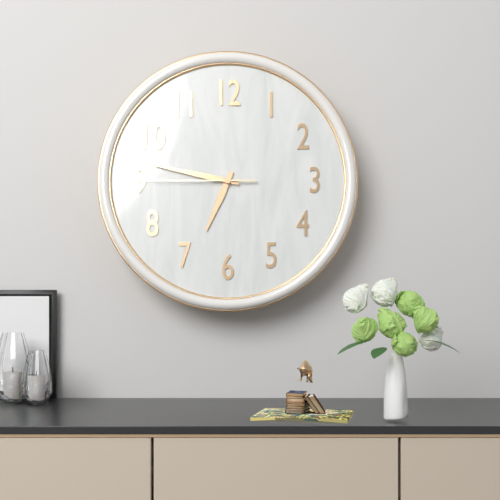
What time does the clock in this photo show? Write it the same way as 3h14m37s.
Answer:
6h47m45s
